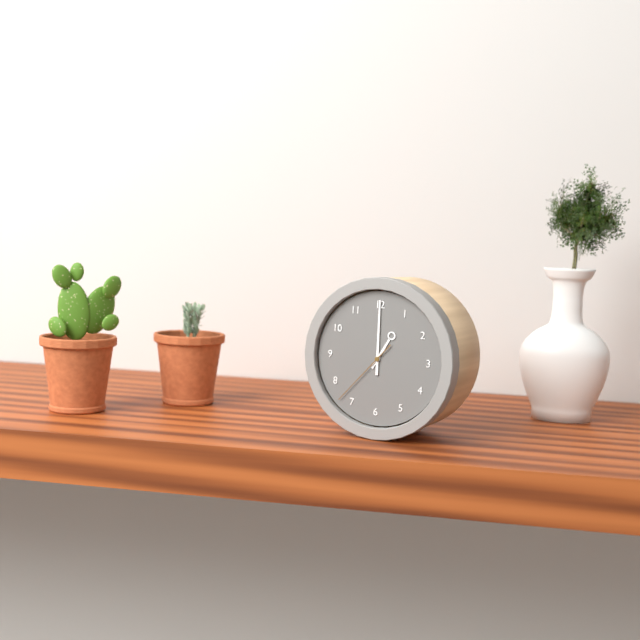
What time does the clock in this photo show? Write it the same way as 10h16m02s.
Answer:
1h00m37s
